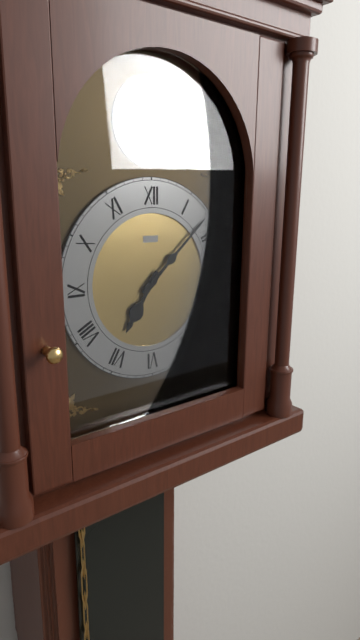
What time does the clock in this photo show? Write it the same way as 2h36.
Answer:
7h08
